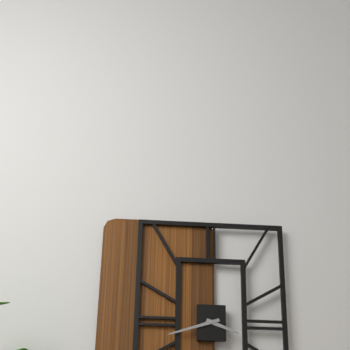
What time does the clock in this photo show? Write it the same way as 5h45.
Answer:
3h42
